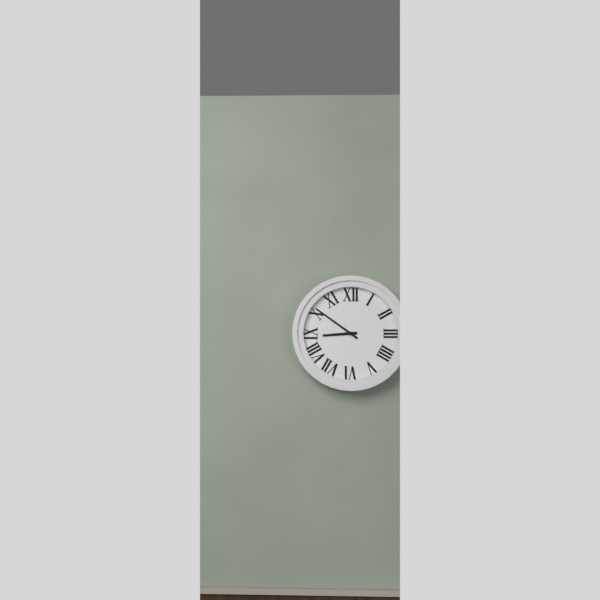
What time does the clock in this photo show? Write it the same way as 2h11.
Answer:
8h51
